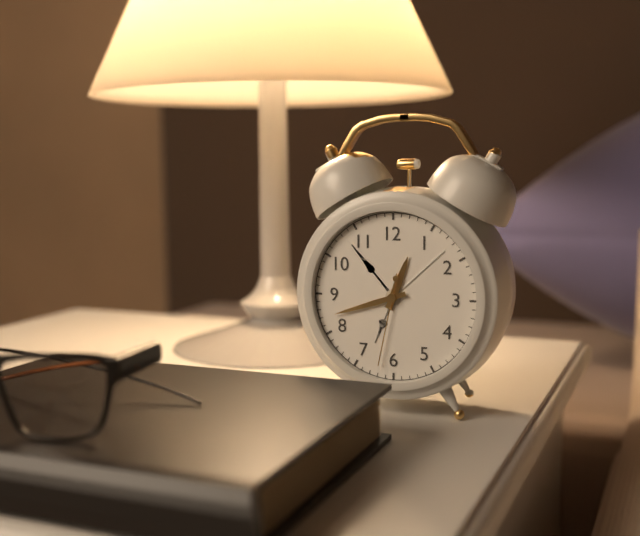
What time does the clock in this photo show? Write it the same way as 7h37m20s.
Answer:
12h42m32s
